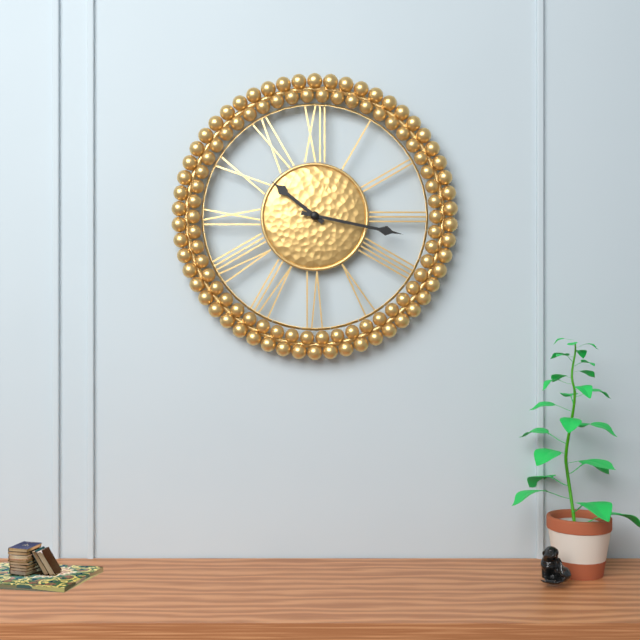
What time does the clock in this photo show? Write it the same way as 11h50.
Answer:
10h17
